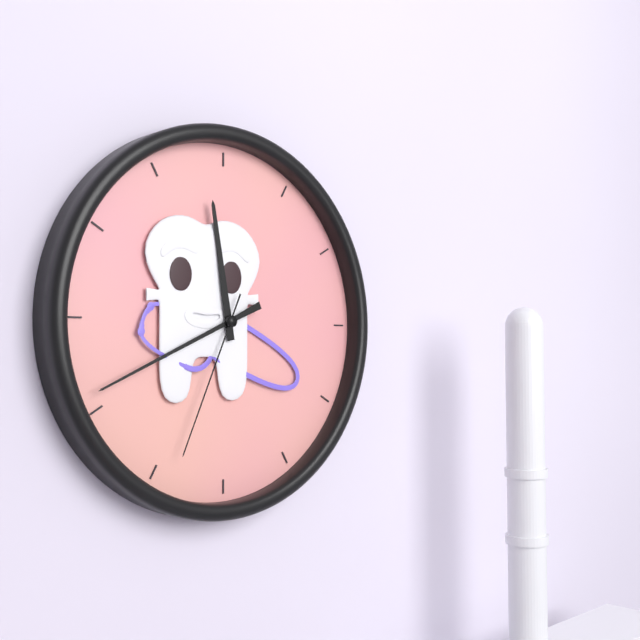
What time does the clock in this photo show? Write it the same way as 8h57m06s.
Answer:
11h41m34s
